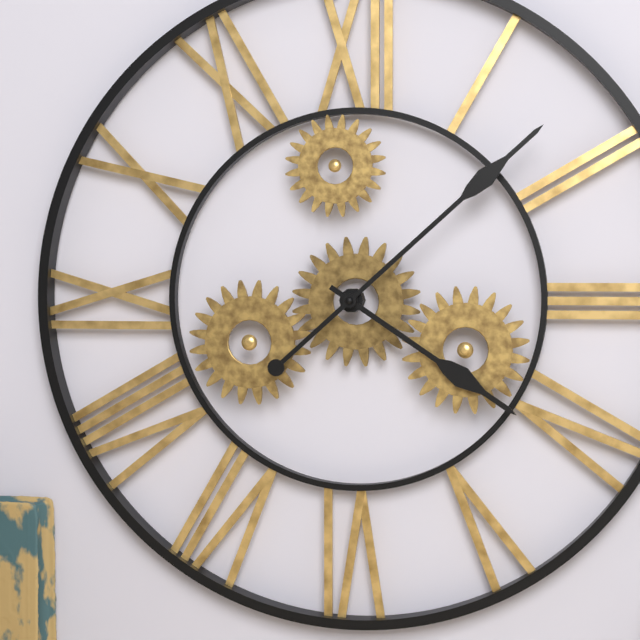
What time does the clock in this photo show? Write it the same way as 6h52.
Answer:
4h08
